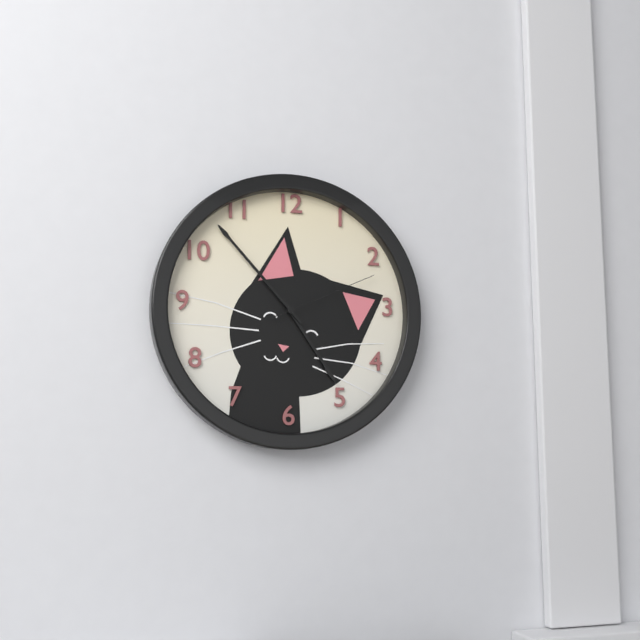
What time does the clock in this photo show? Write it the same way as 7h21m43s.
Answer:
4h53m11s
